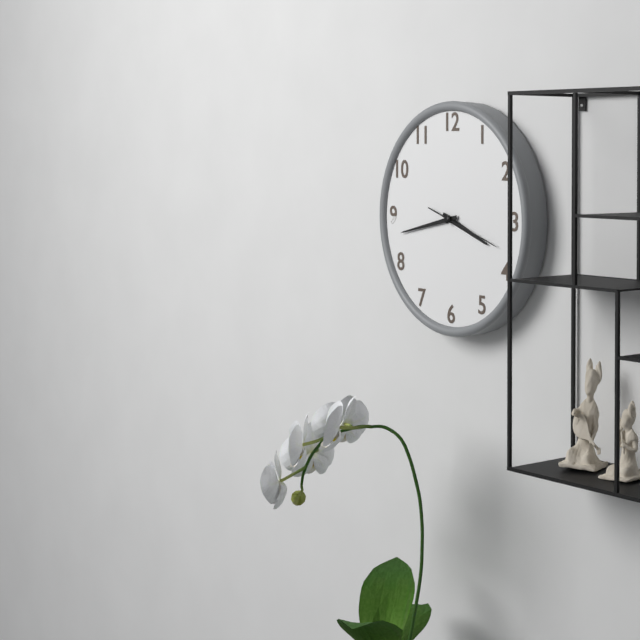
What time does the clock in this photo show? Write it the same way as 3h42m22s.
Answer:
3h43m18s
